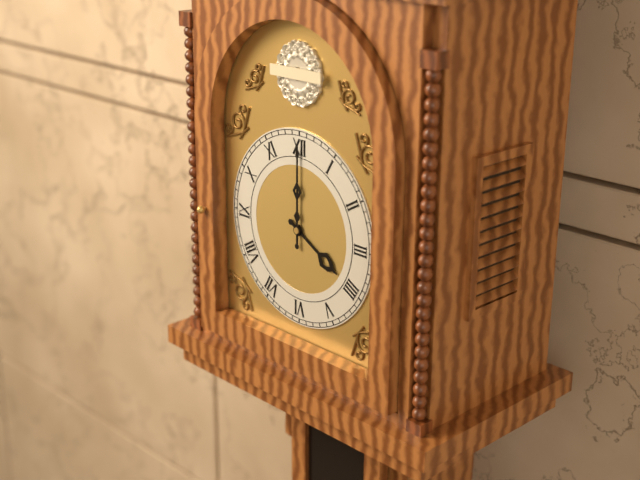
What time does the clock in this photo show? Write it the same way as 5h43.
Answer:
4h00
